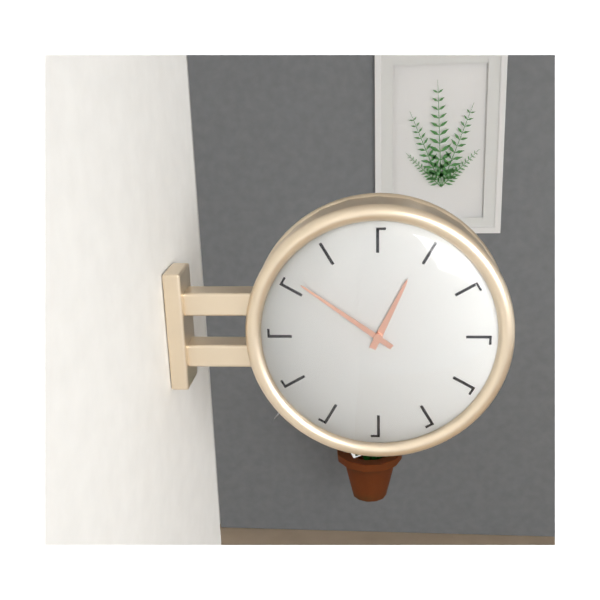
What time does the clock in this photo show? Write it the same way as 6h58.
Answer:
12h51
